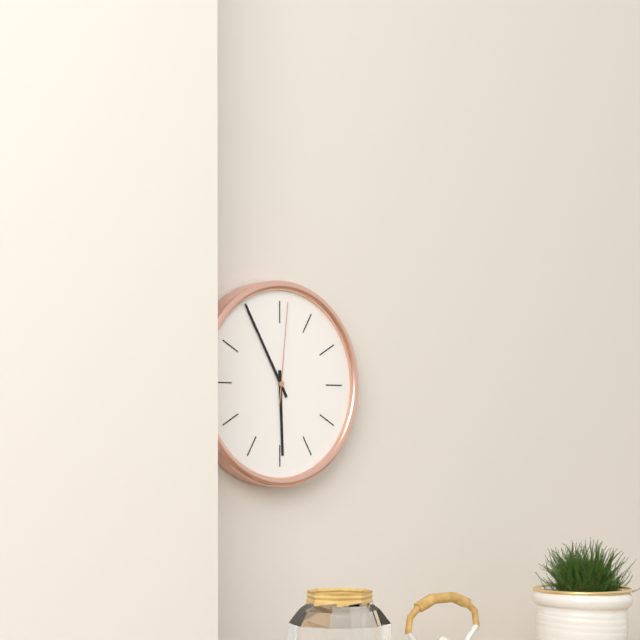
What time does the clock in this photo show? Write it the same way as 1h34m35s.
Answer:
5h55m01s
